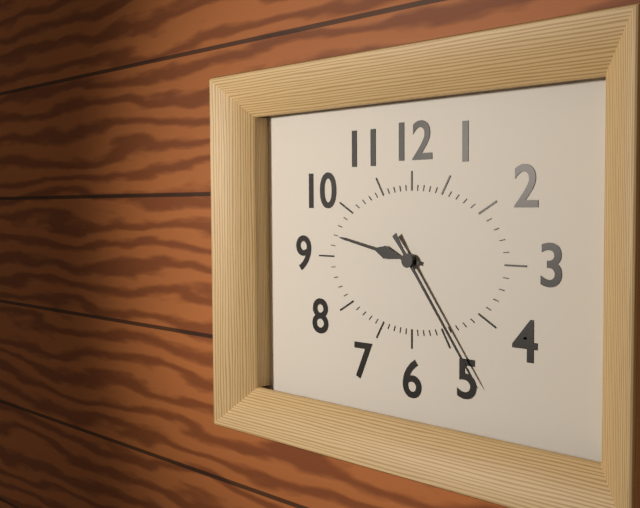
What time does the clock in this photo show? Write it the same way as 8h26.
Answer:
9h24
